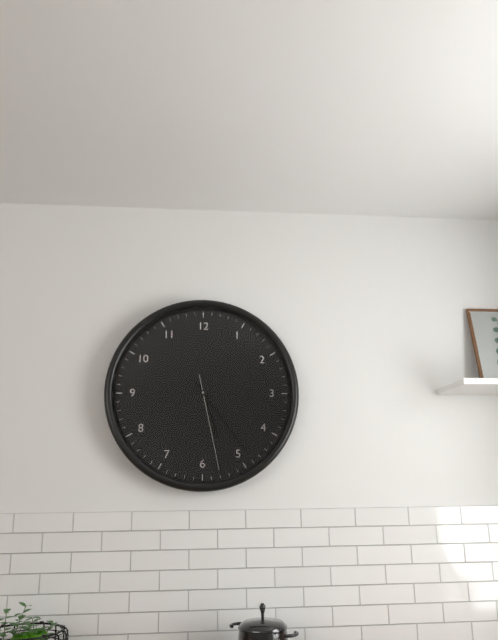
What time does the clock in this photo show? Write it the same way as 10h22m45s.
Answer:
5h24m28s
